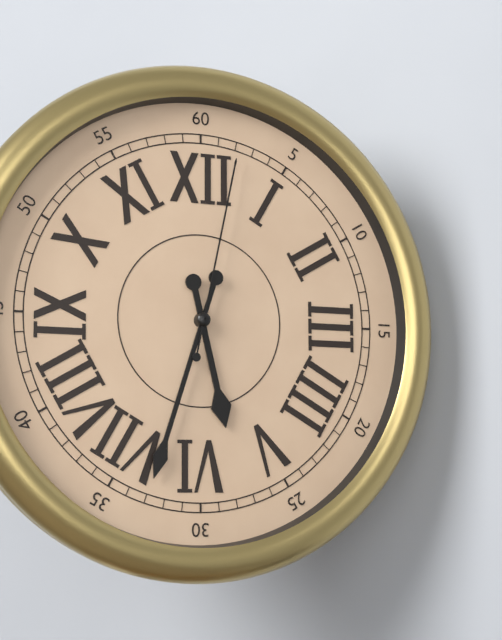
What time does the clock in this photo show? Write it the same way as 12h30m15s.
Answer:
5h33m02s
